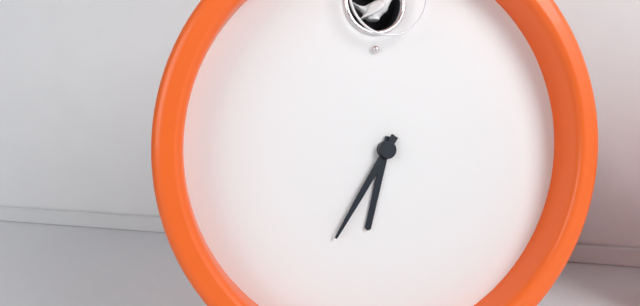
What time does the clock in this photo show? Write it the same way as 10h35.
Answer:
6h36
